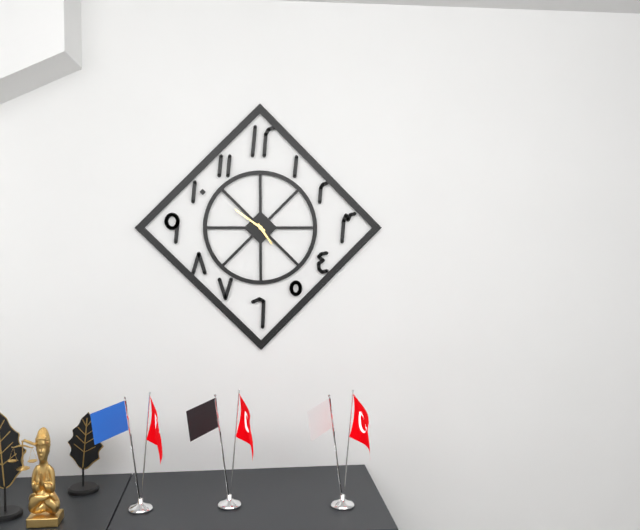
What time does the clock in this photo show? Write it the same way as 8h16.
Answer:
4h51
